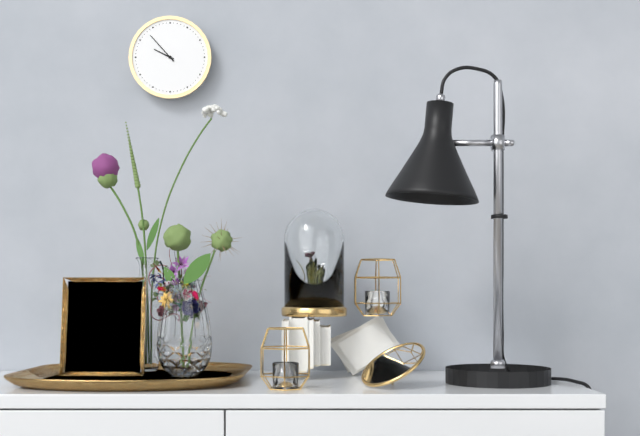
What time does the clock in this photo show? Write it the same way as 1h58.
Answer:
9h53
